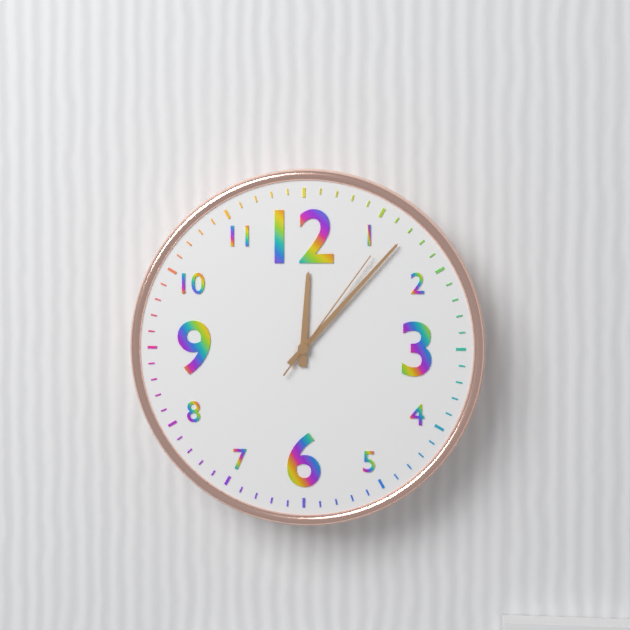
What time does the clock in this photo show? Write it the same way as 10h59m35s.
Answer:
12h07m06s
